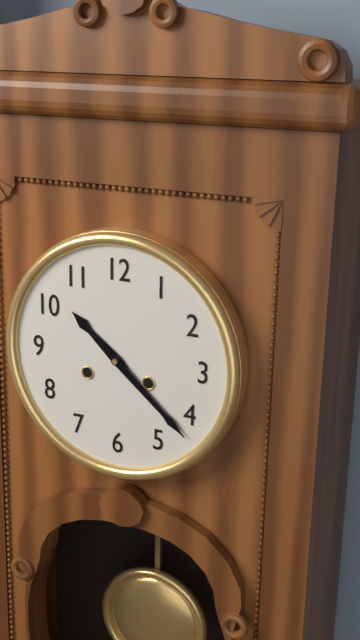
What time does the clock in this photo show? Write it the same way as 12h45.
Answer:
10h22
